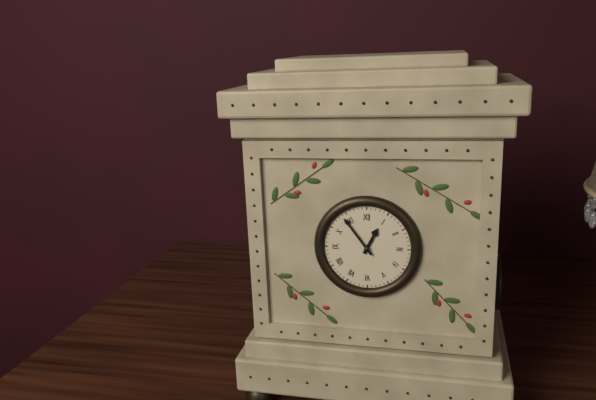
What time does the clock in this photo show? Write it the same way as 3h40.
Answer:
12h54
